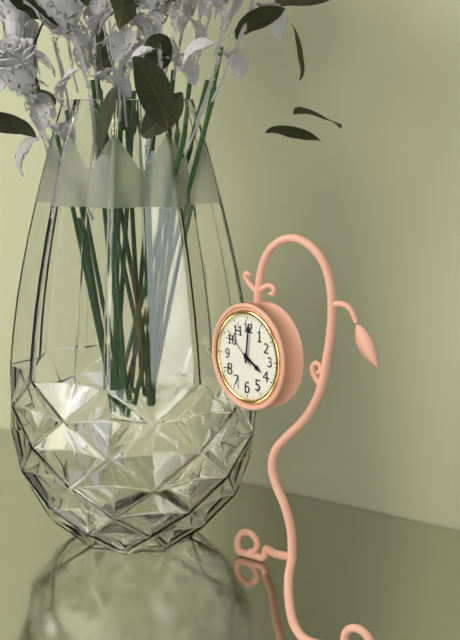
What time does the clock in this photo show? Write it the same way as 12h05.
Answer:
4h01
